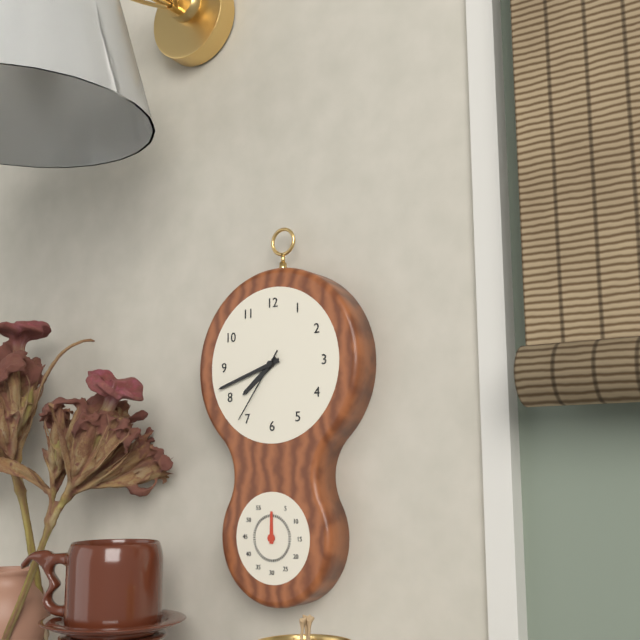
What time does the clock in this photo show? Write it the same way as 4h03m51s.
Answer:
7h42m36s
